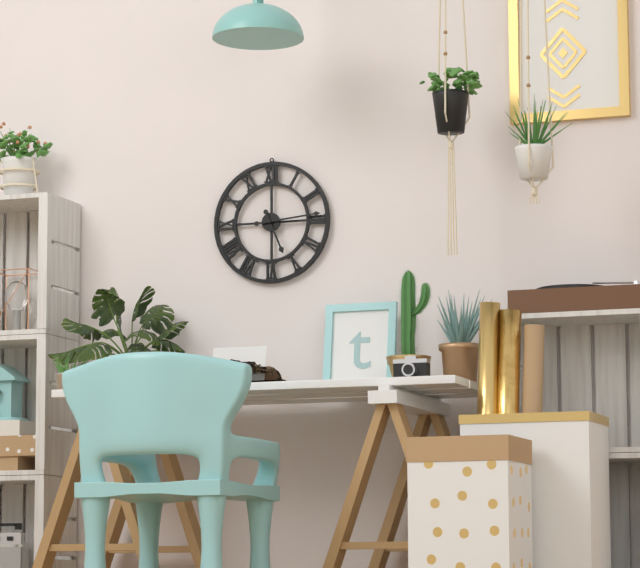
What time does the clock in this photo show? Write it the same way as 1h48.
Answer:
5h14
